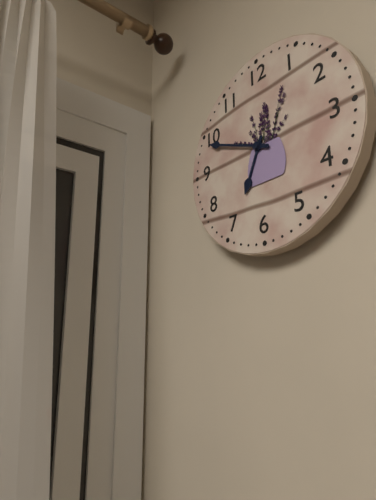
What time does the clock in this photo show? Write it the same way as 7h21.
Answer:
6h49
